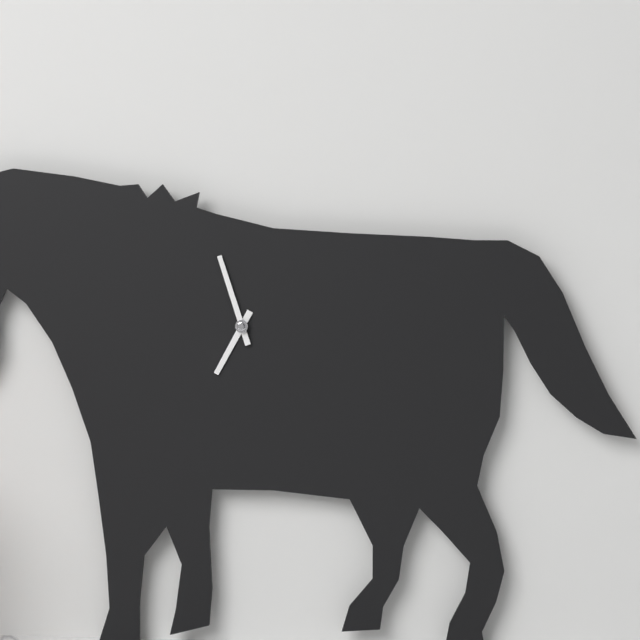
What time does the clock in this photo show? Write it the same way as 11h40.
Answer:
6h57
